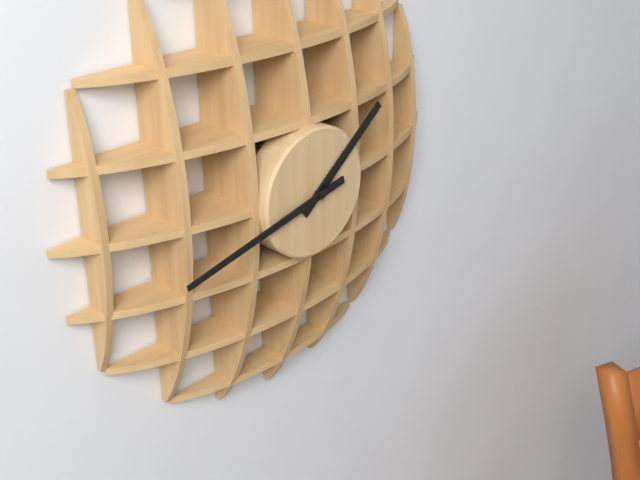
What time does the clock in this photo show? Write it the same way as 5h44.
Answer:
1h43
